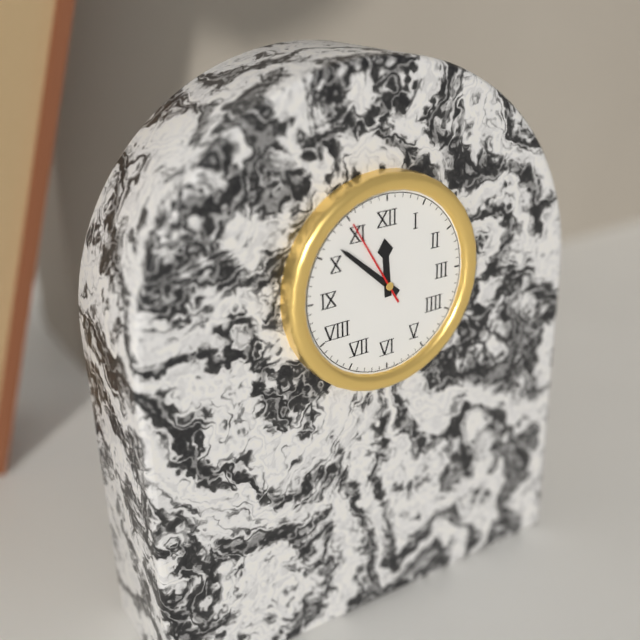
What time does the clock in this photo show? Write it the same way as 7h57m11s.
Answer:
11h52m55s
